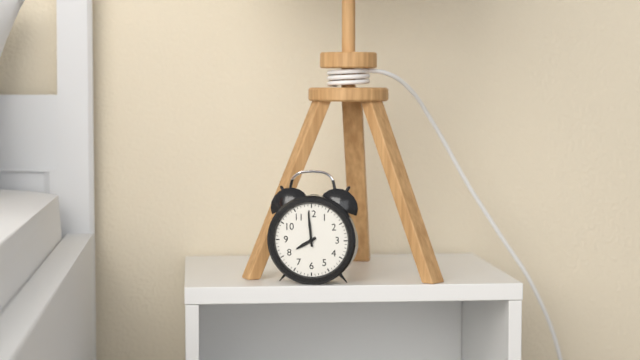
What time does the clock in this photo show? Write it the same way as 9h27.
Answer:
7h59
